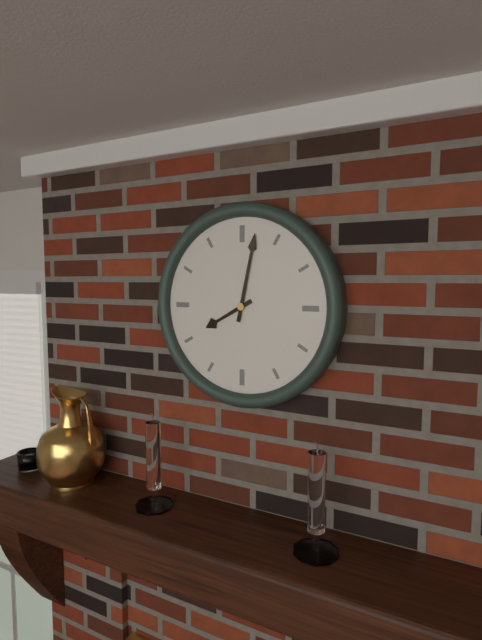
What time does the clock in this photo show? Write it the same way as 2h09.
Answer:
8h02
